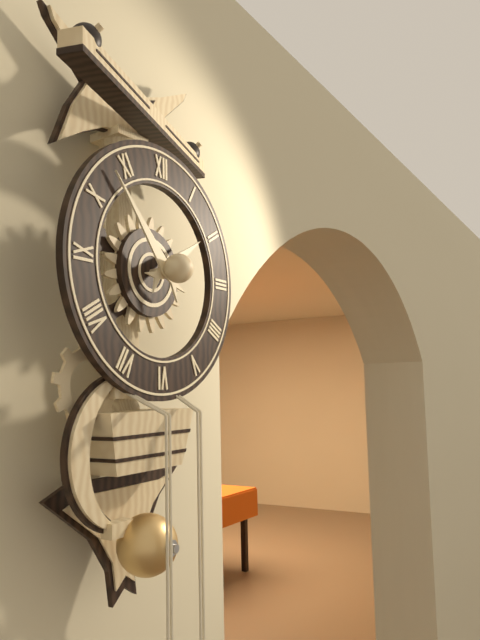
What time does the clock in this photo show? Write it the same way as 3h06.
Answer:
1h53
